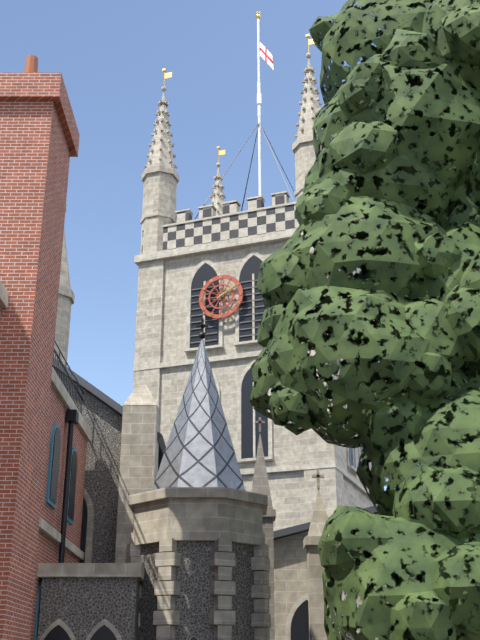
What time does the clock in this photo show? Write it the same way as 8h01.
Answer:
2h10
